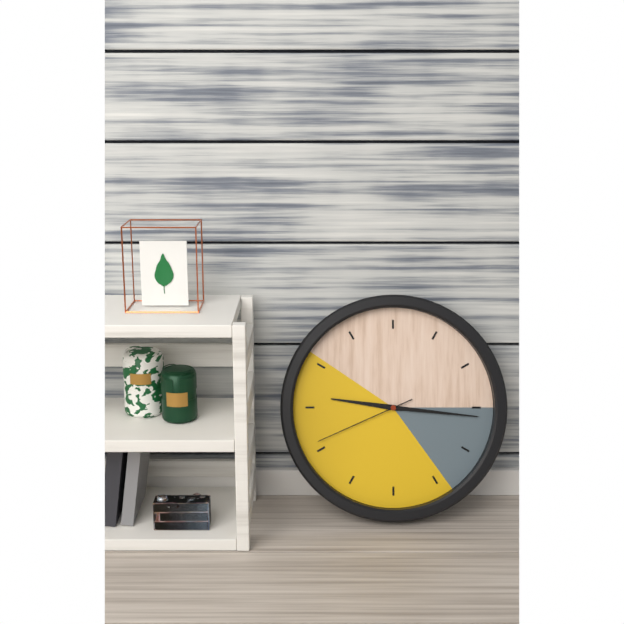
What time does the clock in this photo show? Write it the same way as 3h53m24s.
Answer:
9h16m41s
